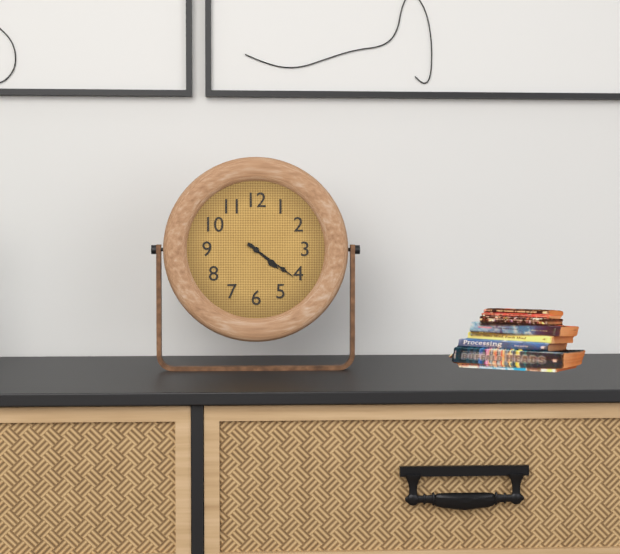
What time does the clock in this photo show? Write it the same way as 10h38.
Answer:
4h21
